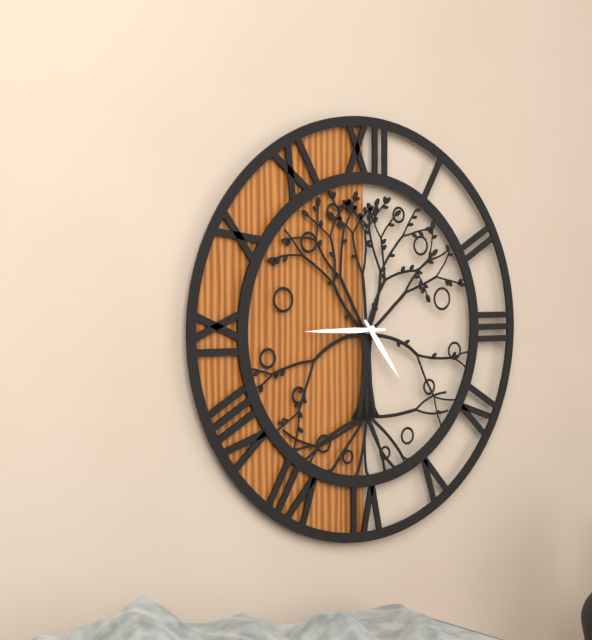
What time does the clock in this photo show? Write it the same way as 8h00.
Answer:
4h45
